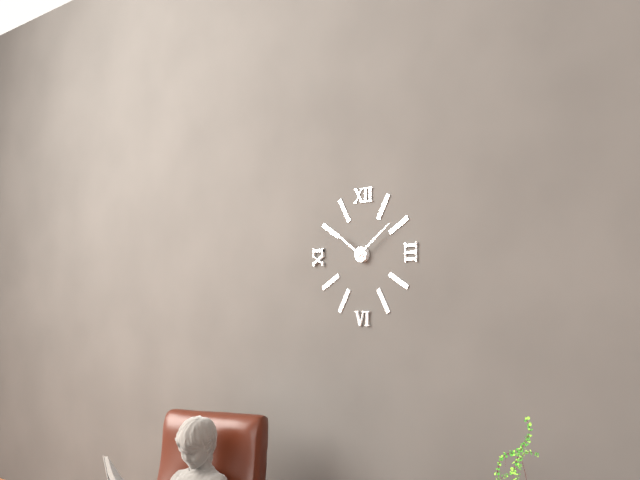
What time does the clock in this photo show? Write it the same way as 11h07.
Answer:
10h09
